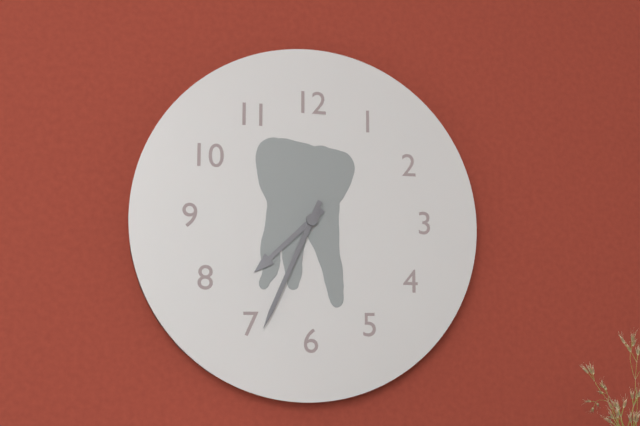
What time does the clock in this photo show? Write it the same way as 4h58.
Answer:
7h34
